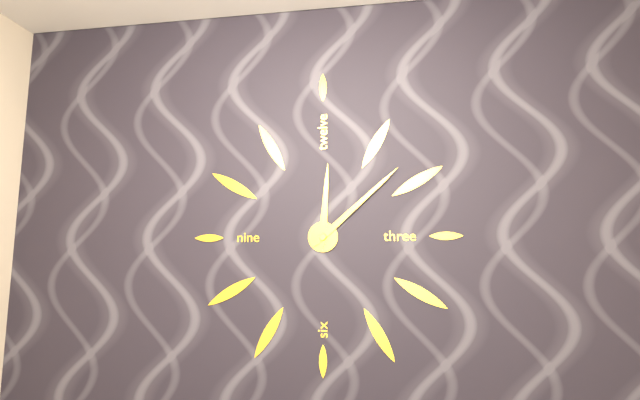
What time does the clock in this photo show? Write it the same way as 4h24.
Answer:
12h08
